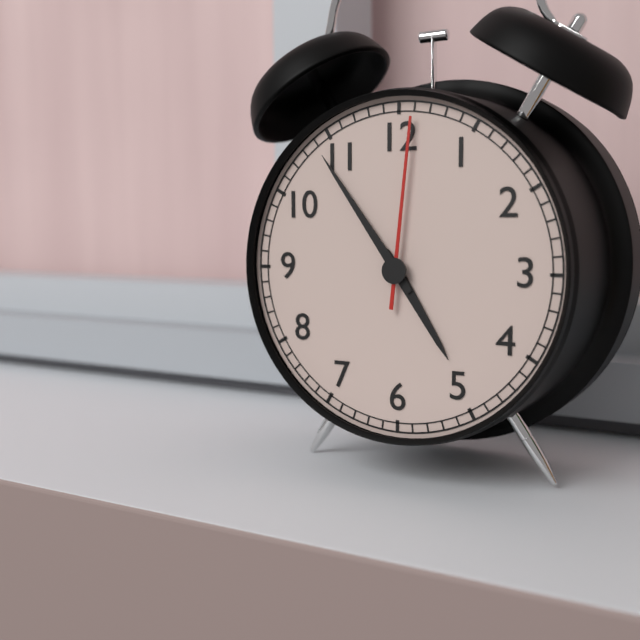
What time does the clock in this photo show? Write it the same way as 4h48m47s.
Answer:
4h54m01s
